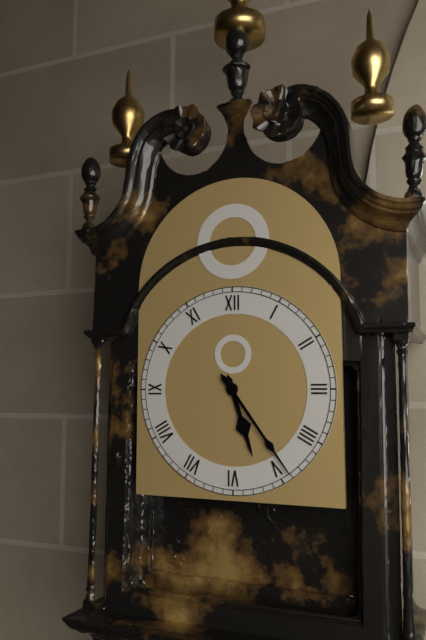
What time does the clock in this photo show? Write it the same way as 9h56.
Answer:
5h24
